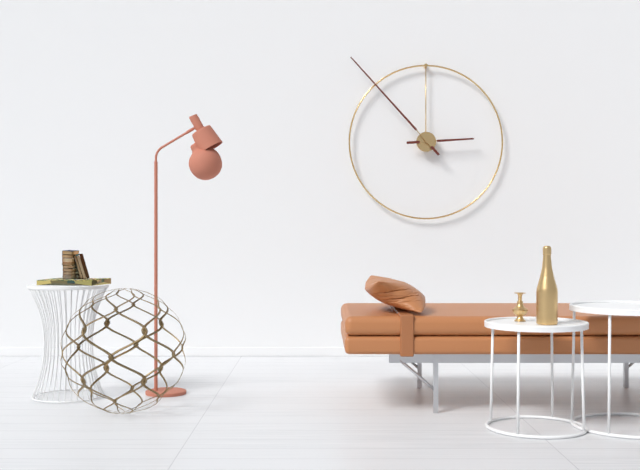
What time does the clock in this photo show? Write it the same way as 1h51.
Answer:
2h53
